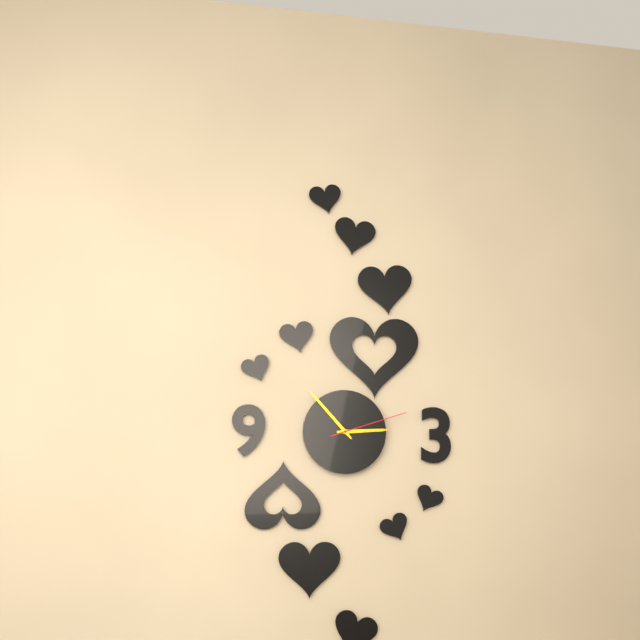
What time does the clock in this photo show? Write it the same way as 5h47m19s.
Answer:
2h53m12s
